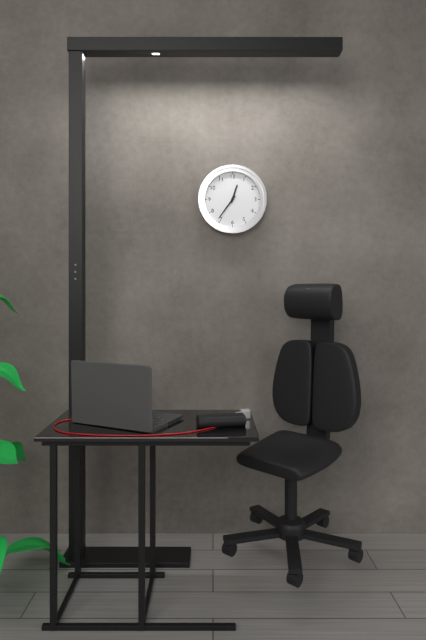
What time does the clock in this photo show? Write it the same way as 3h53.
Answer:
12h36
